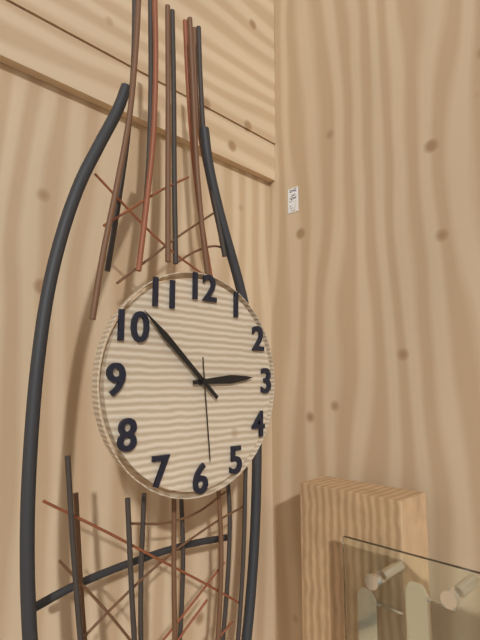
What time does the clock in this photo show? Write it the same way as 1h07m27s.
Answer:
2h52m29s
